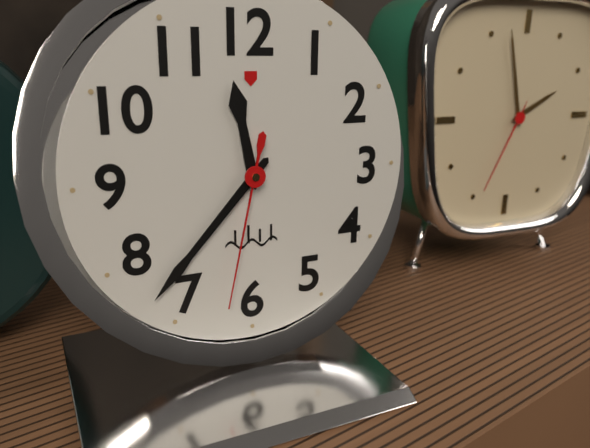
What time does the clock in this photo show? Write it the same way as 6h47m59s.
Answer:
11h37m32s
